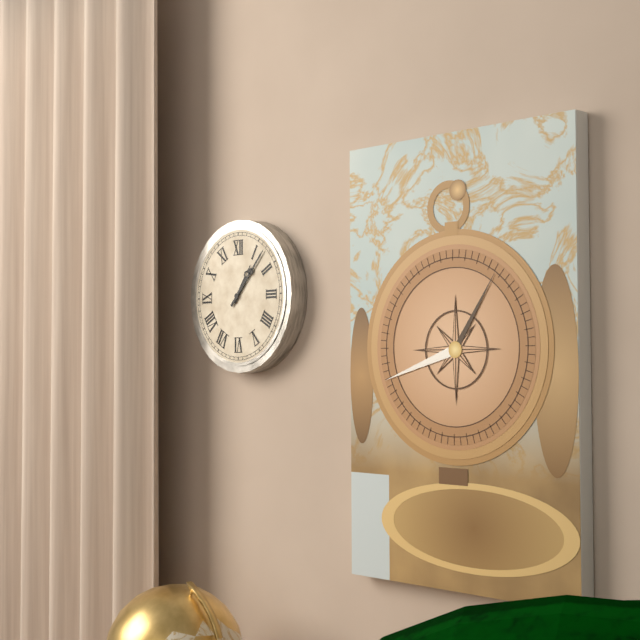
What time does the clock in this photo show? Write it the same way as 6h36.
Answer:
1h07
